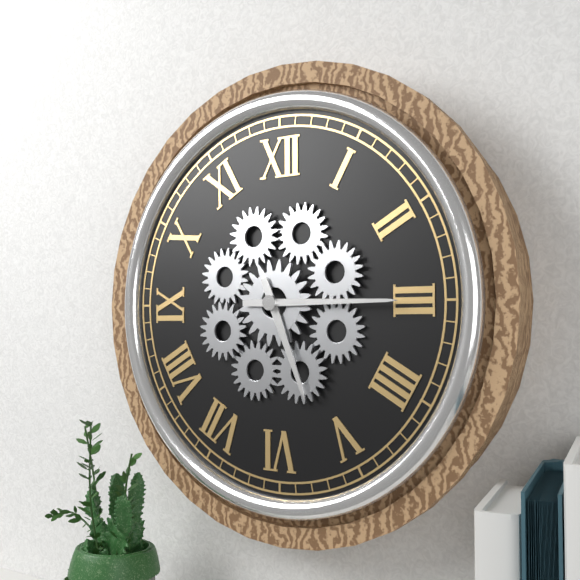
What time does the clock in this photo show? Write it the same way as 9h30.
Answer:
5h15
